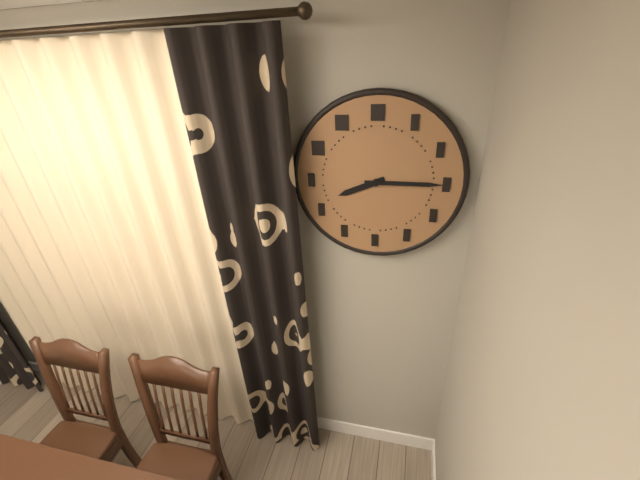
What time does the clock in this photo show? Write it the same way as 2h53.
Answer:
8h15
